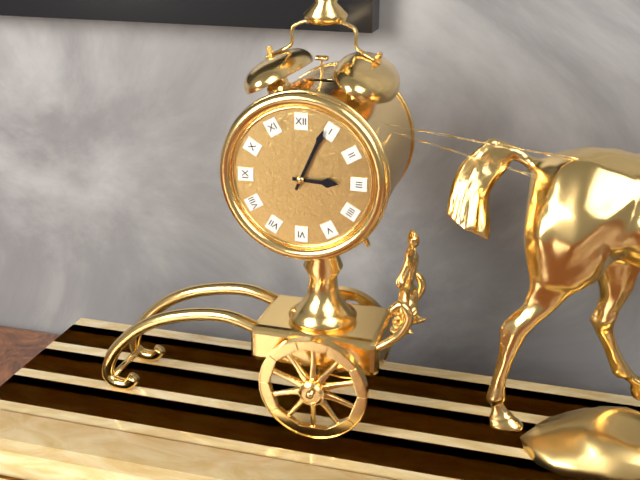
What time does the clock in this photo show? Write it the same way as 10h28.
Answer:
3h04
